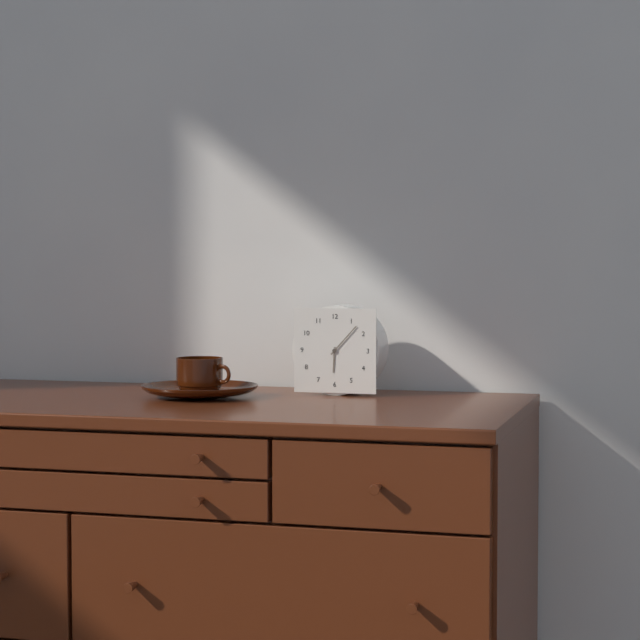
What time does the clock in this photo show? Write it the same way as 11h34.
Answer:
6h07
